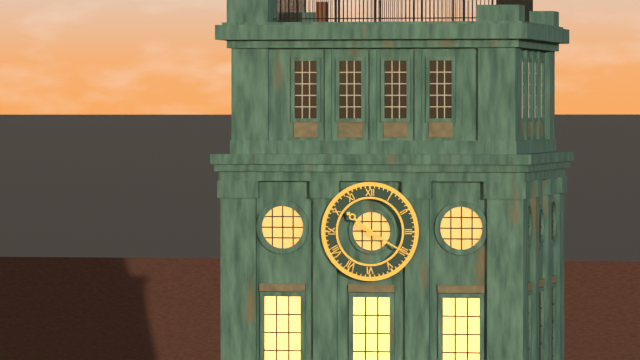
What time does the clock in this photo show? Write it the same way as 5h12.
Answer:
10h20
